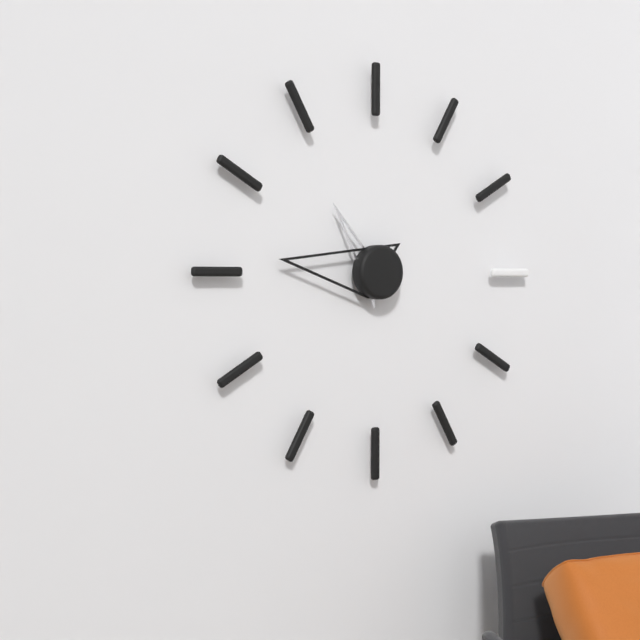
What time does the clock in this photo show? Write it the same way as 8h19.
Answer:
10h46
